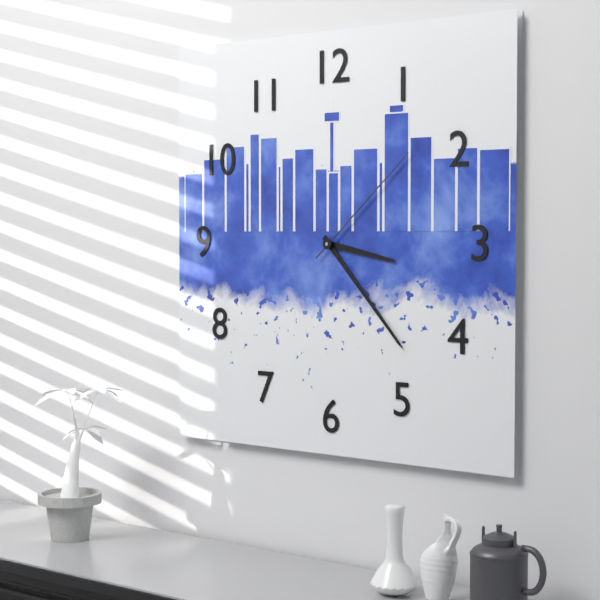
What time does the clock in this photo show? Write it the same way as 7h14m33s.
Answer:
3h23m08s
